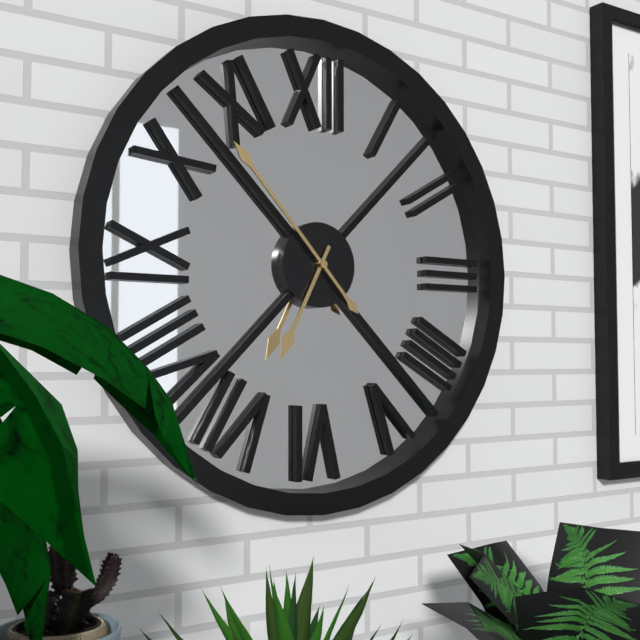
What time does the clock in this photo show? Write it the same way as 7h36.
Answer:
6h53
